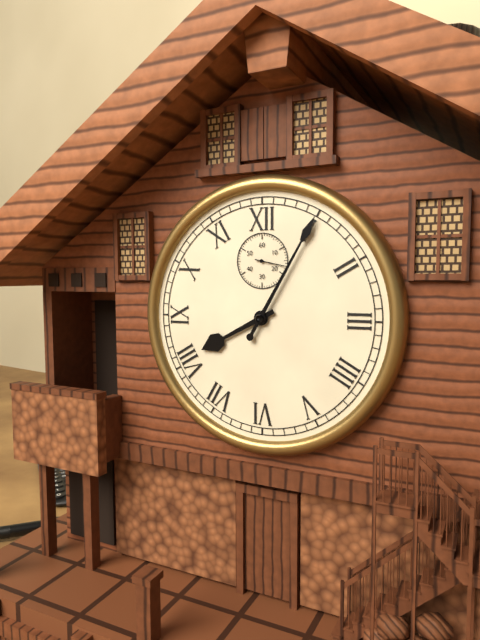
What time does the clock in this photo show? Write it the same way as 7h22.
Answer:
8h05
